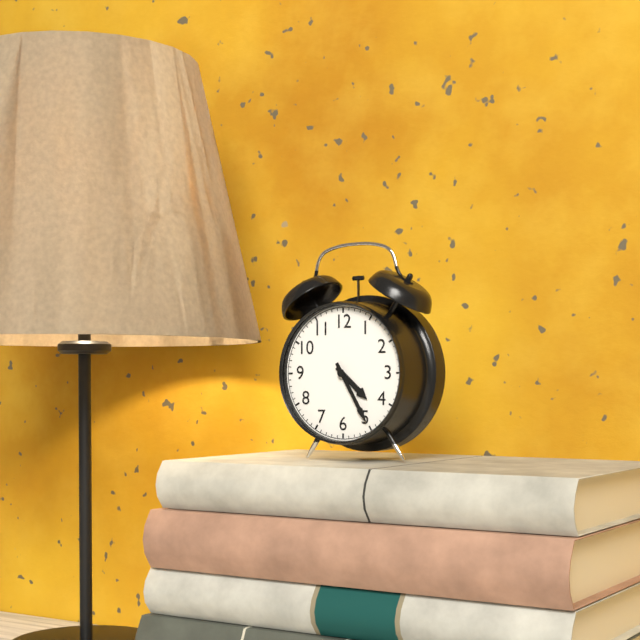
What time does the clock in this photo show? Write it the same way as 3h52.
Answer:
4h25
